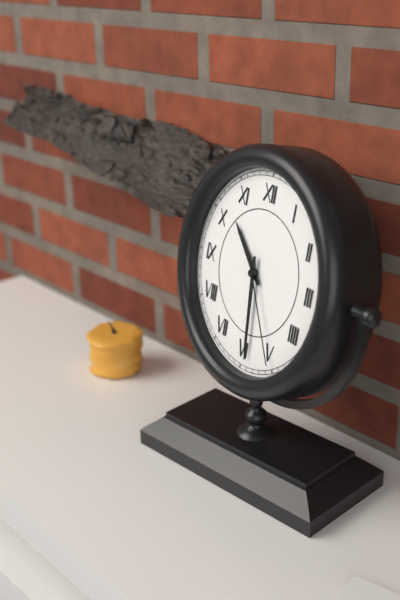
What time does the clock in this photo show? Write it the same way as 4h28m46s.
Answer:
10h29m25s
